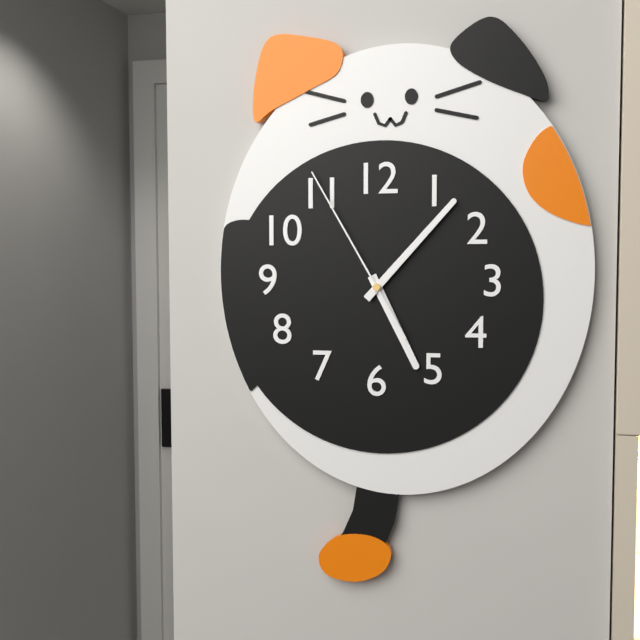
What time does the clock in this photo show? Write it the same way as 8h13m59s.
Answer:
5h07m55s
